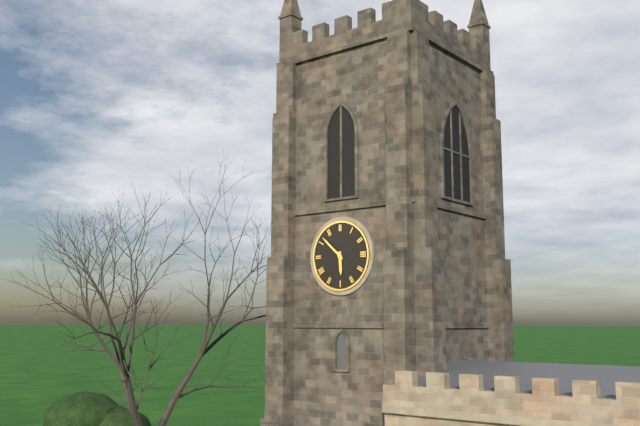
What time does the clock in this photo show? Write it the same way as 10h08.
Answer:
5h52
